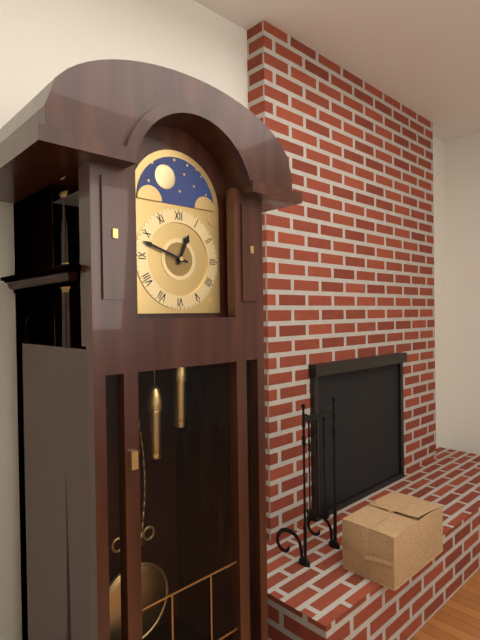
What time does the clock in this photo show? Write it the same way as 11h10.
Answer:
12h48
